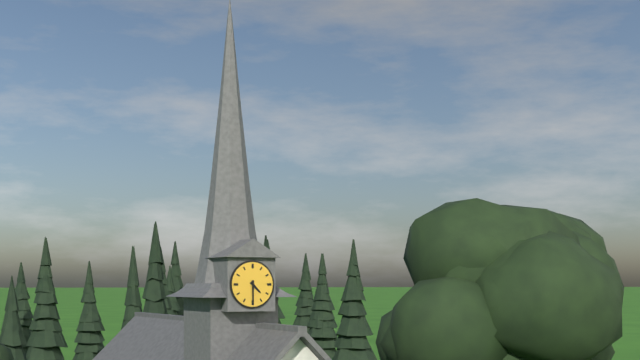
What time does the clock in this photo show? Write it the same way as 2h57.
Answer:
4h30
